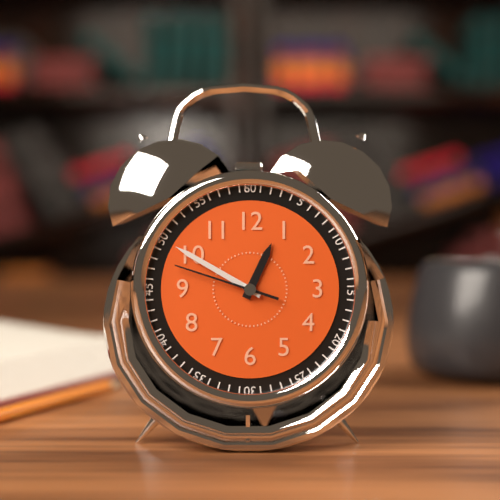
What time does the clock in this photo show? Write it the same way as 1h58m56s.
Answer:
12h50m48s
